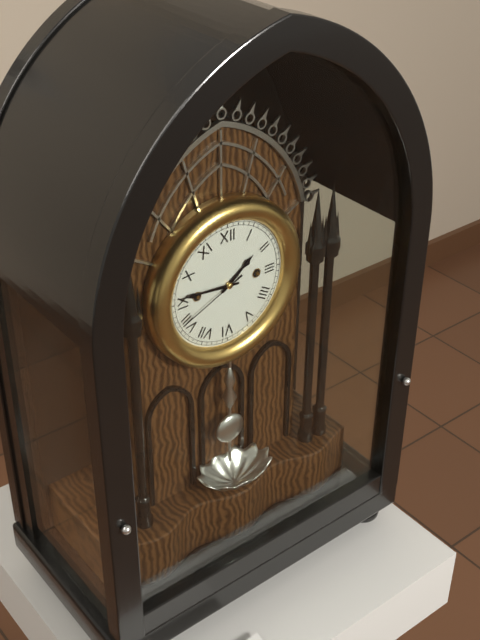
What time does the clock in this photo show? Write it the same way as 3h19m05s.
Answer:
1h46m41s
